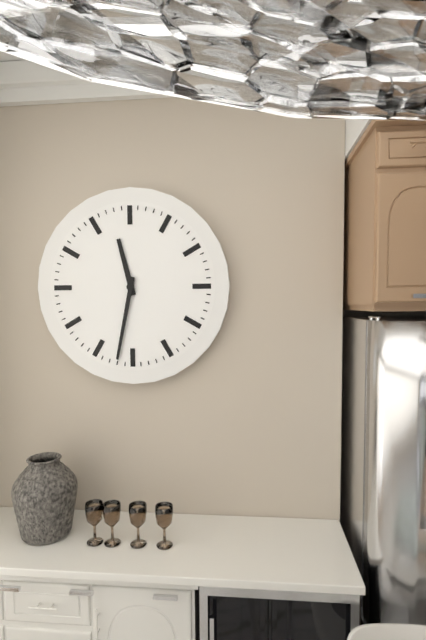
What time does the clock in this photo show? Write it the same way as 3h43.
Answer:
11h32
